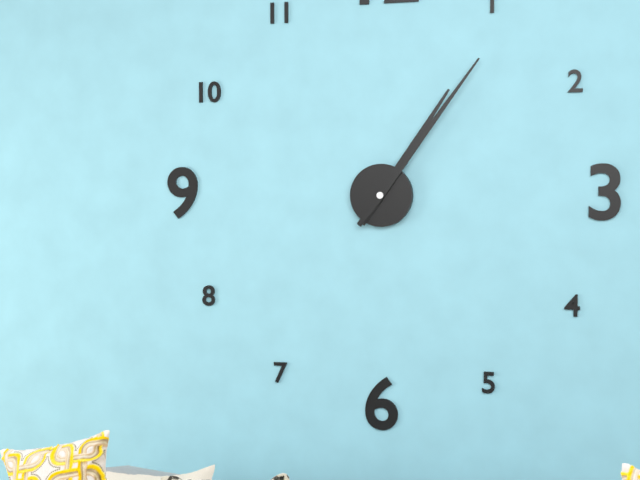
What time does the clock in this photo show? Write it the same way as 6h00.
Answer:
1h06
